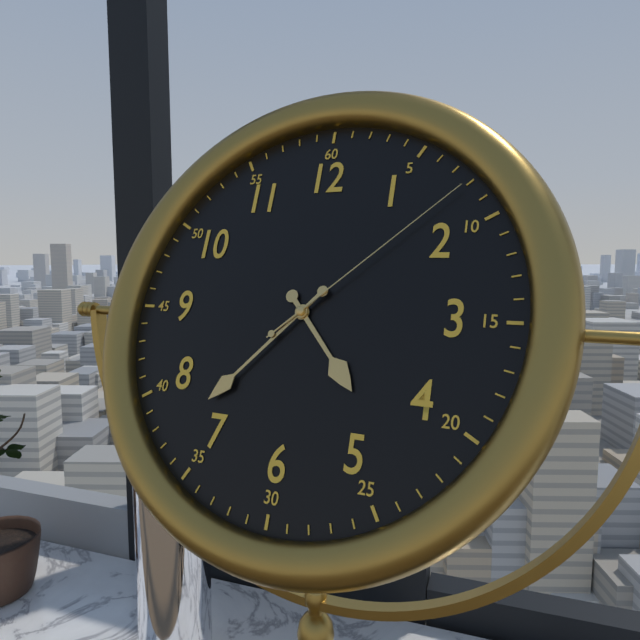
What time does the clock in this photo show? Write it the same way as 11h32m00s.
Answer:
4h37m08s
